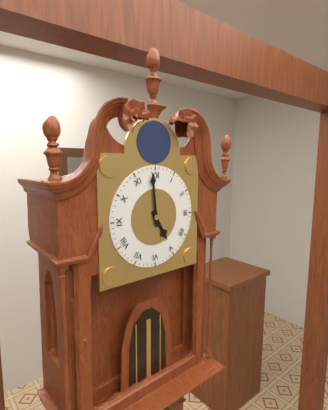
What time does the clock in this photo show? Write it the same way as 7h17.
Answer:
4h59
